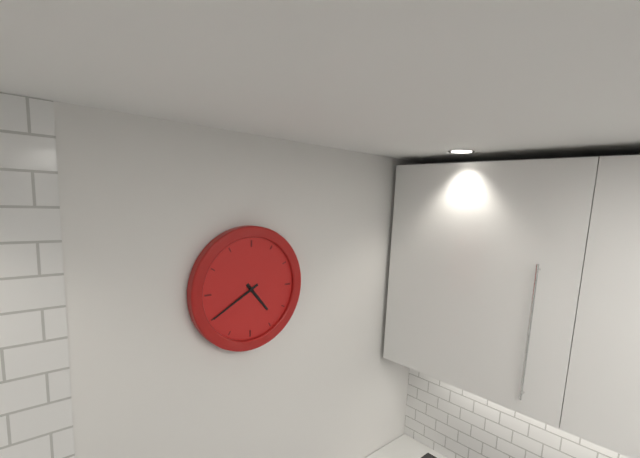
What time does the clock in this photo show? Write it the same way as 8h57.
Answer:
4h40
